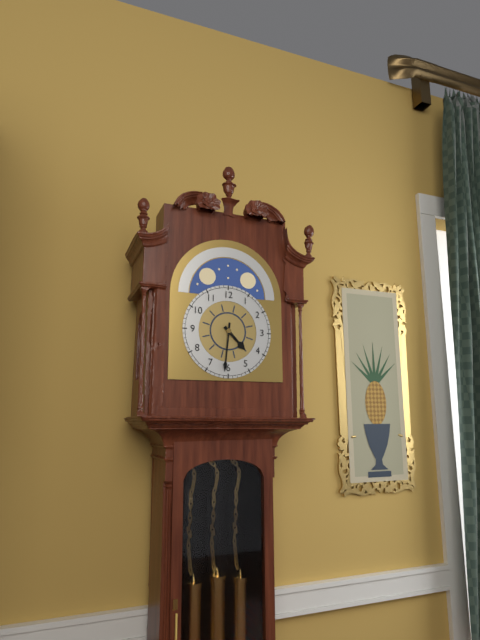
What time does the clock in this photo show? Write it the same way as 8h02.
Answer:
4h31
